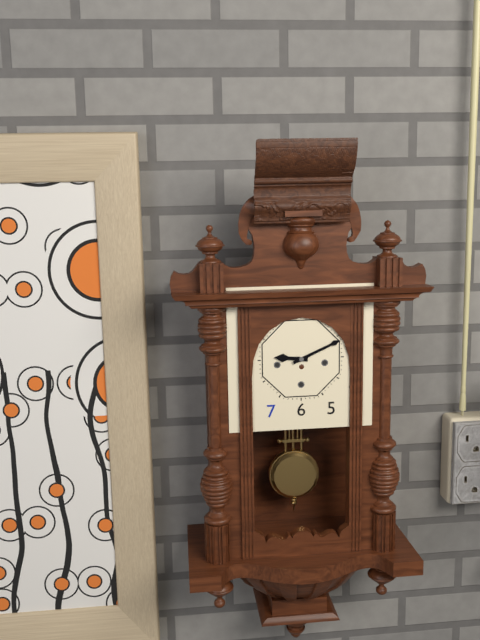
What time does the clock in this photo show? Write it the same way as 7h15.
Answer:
9h11
